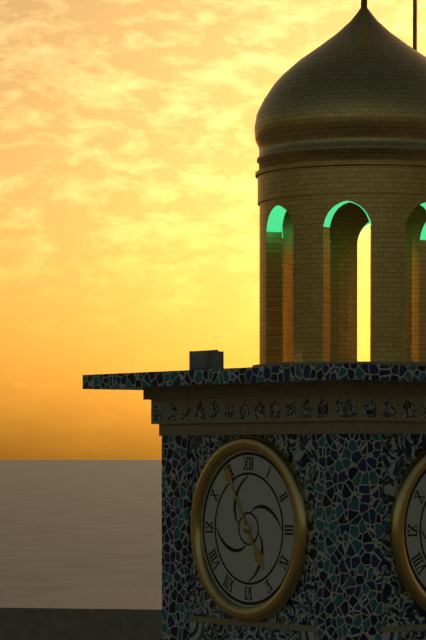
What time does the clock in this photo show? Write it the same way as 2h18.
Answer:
4h55
